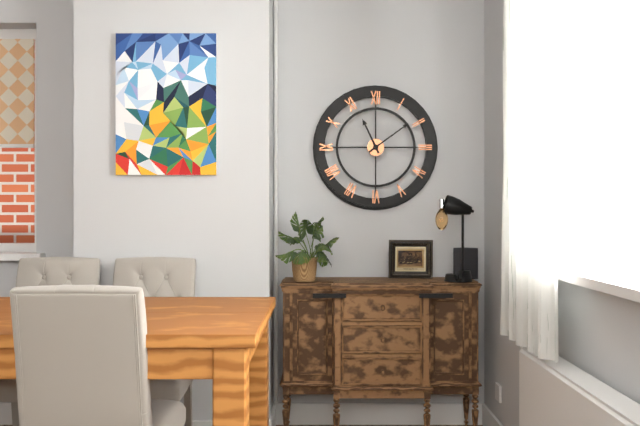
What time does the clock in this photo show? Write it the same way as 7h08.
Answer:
11h09
